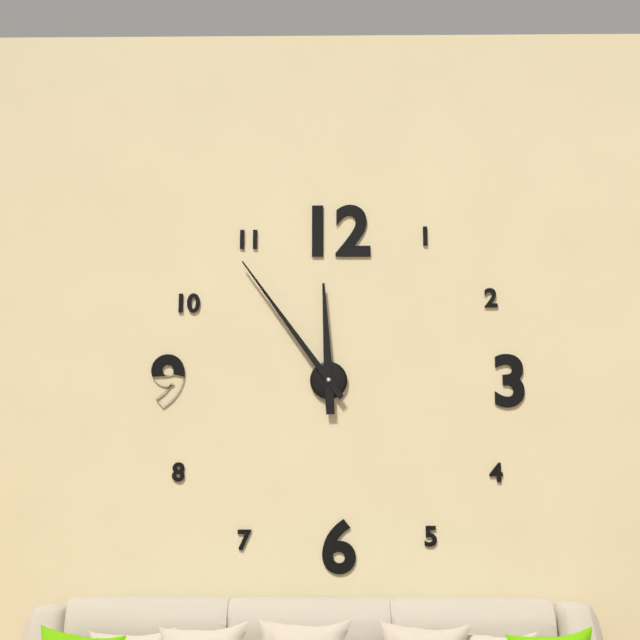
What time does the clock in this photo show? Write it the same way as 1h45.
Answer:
11h54
